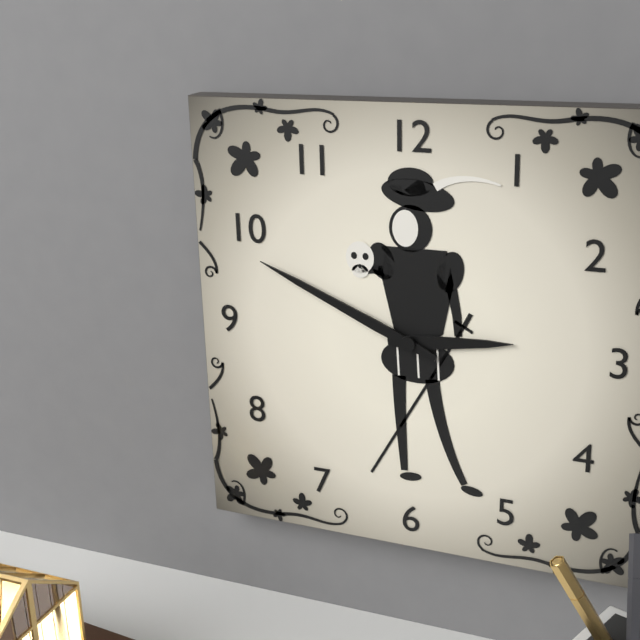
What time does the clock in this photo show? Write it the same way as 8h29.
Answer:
2h49
